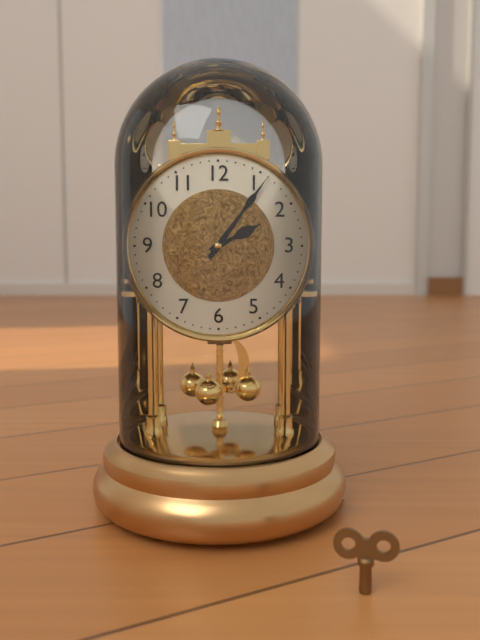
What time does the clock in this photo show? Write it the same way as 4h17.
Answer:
2h06
